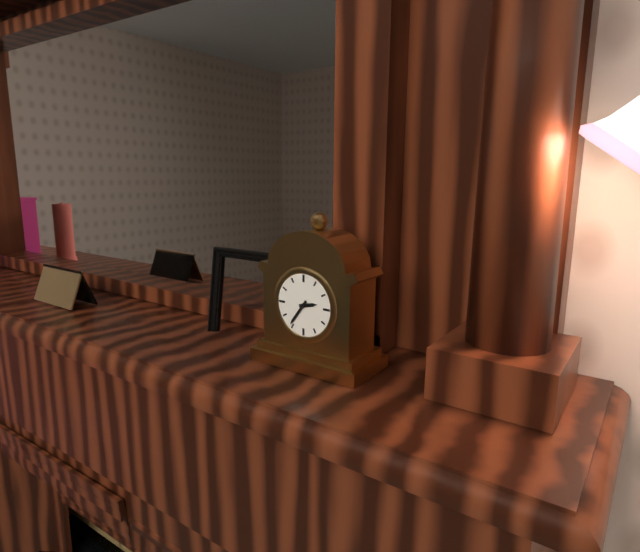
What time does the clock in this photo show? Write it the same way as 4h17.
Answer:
2h36
